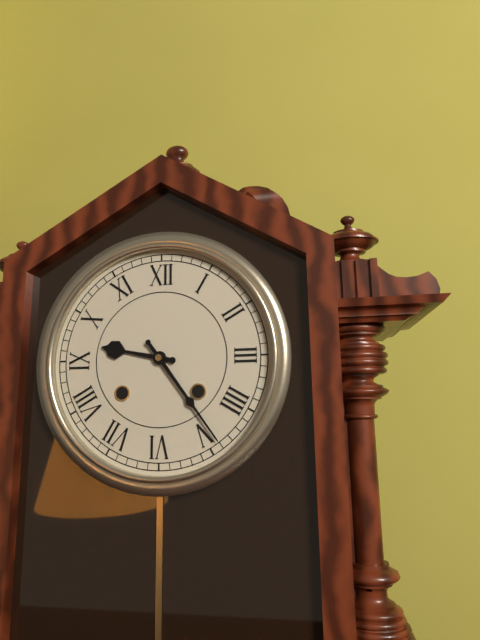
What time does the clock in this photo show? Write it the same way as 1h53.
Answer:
9h24
